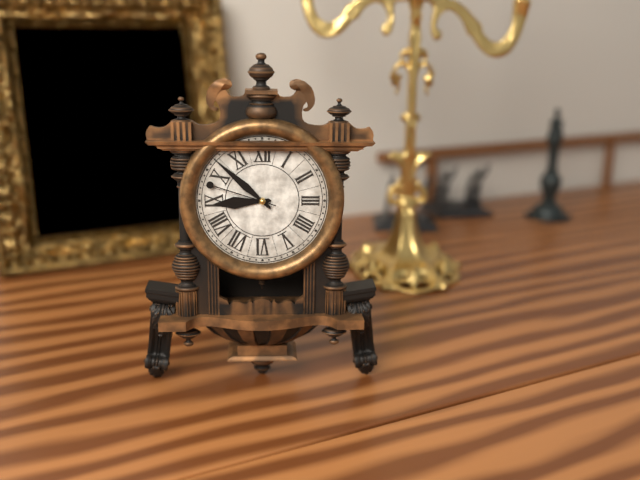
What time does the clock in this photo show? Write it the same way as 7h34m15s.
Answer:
8h52m48s
